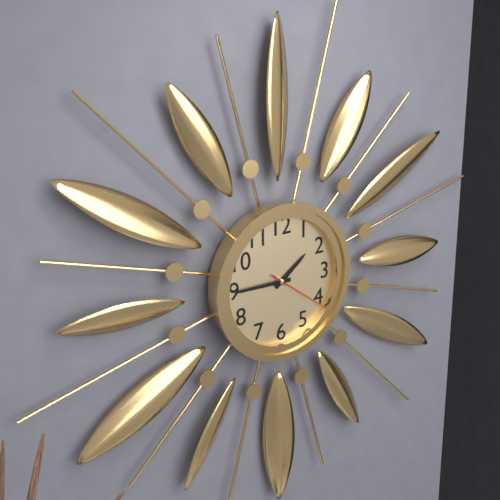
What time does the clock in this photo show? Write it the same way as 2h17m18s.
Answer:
1h45m21s
